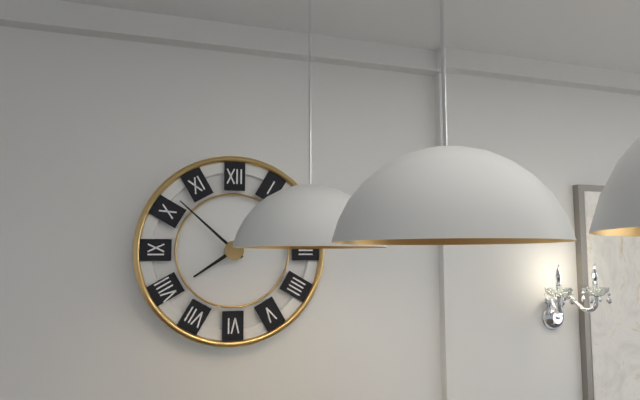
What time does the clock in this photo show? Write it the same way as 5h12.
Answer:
7h52
